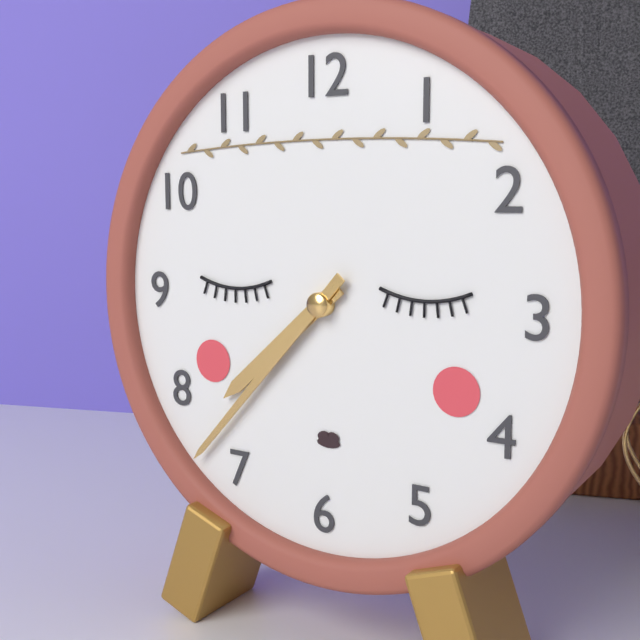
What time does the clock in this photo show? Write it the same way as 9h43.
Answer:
7h37
